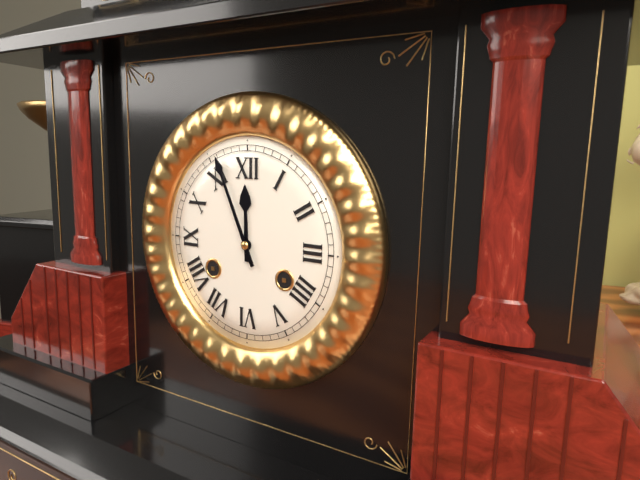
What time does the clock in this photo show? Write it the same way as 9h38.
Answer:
11h56
